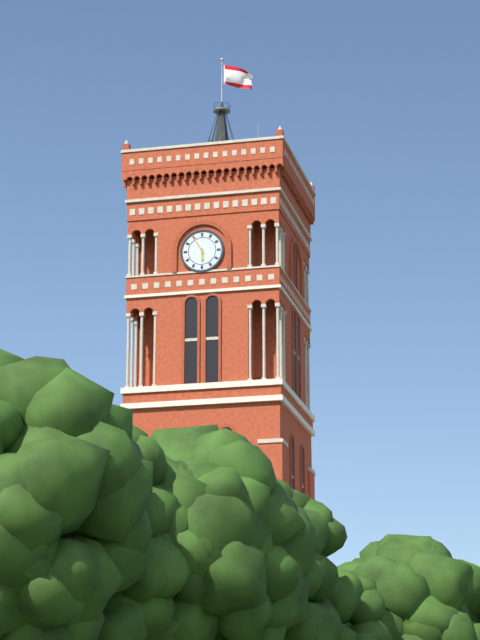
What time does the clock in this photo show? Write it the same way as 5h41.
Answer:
5h55
